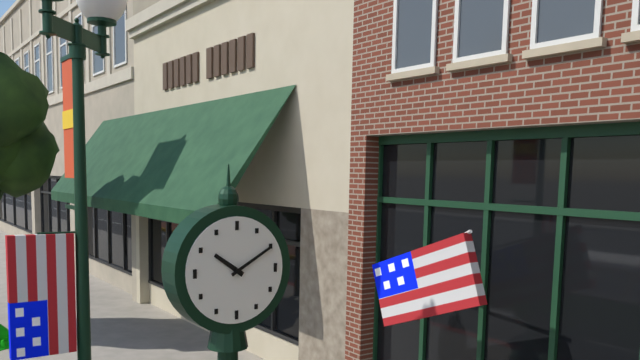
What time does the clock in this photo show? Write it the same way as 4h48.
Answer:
10h10
